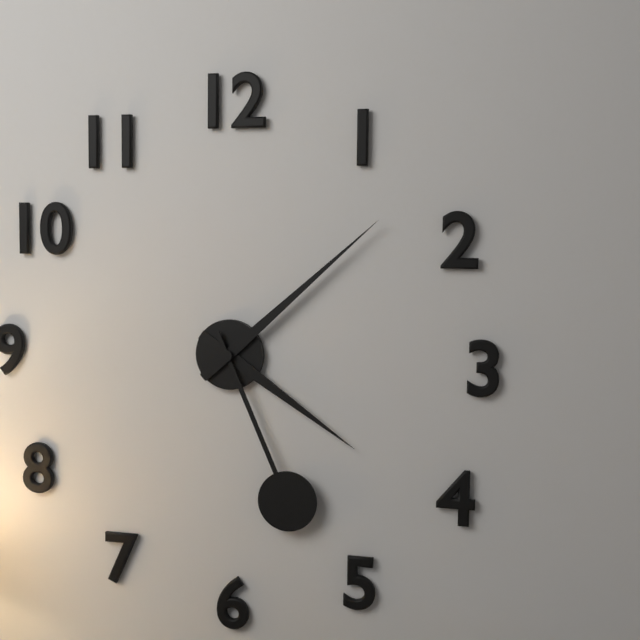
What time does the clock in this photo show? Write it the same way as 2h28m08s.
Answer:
4h08m26s
